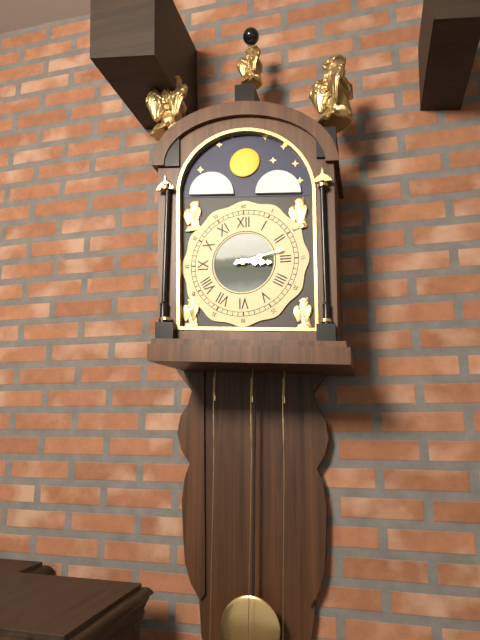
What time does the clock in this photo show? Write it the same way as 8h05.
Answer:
3h13
